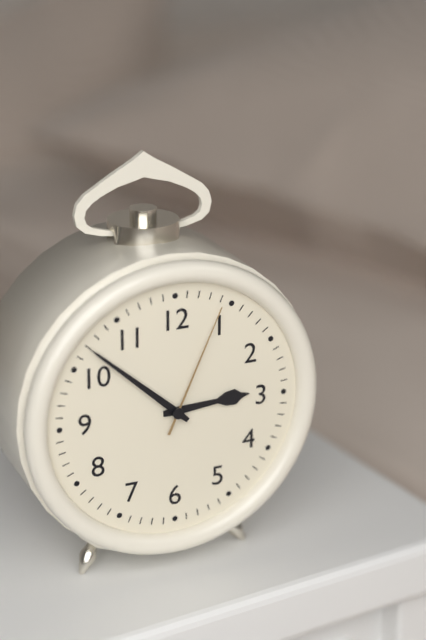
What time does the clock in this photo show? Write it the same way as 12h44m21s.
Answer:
2h52m04s
